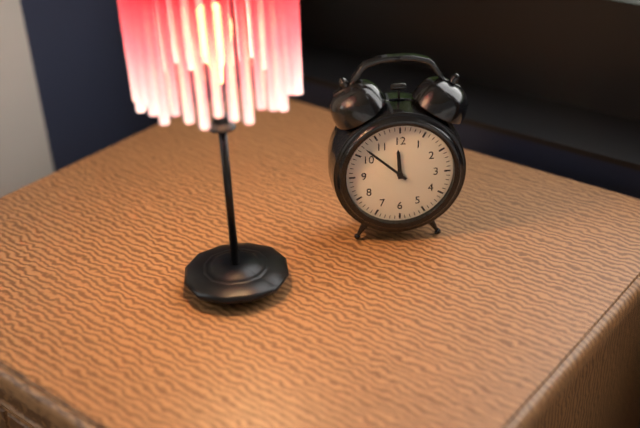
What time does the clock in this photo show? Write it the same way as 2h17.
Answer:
11h52
